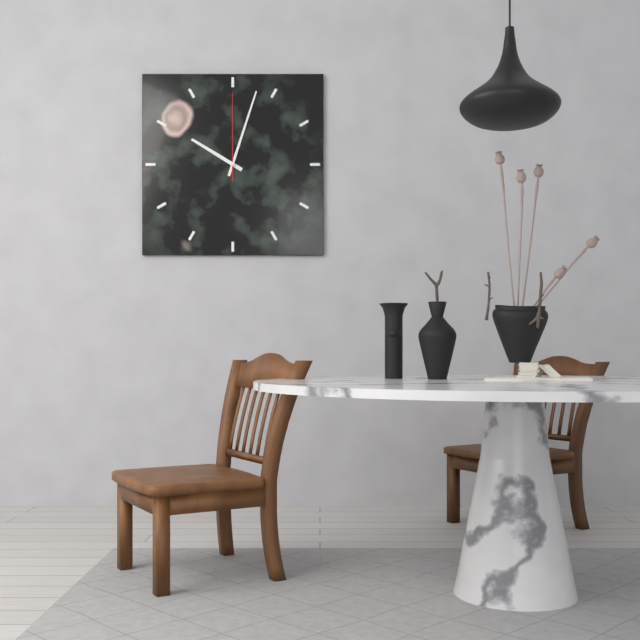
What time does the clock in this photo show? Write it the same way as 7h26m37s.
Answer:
10h03m00s
